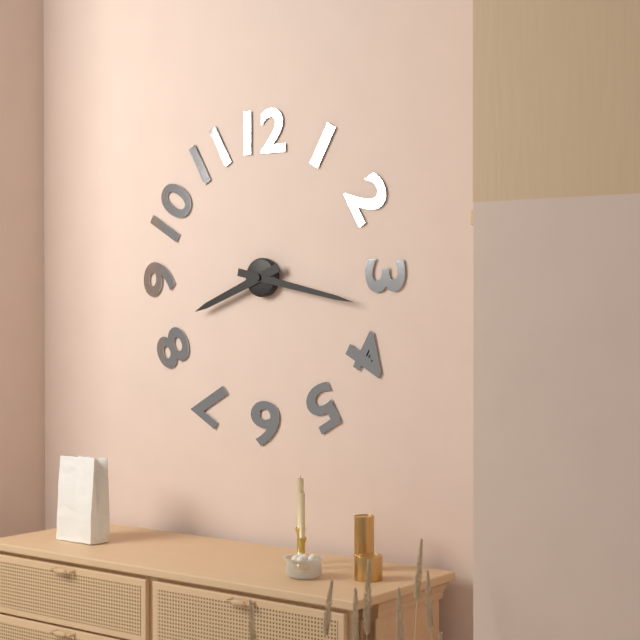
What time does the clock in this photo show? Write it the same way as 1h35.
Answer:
8h17
